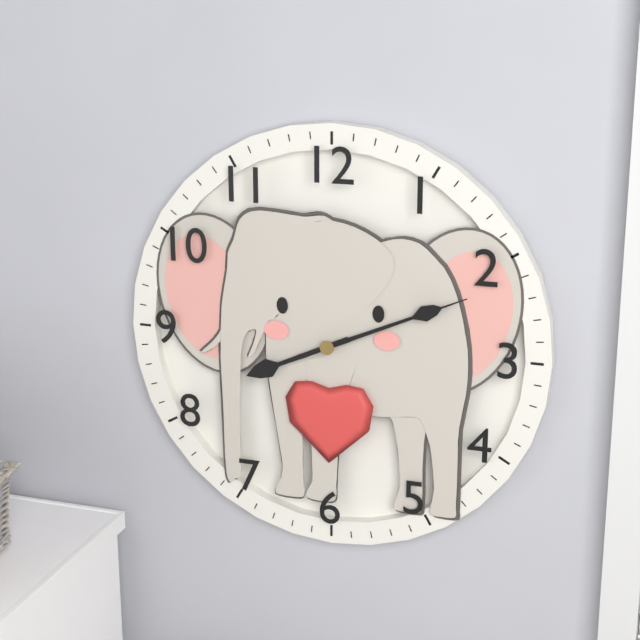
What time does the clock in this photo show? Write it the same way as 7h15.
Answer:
8h11
